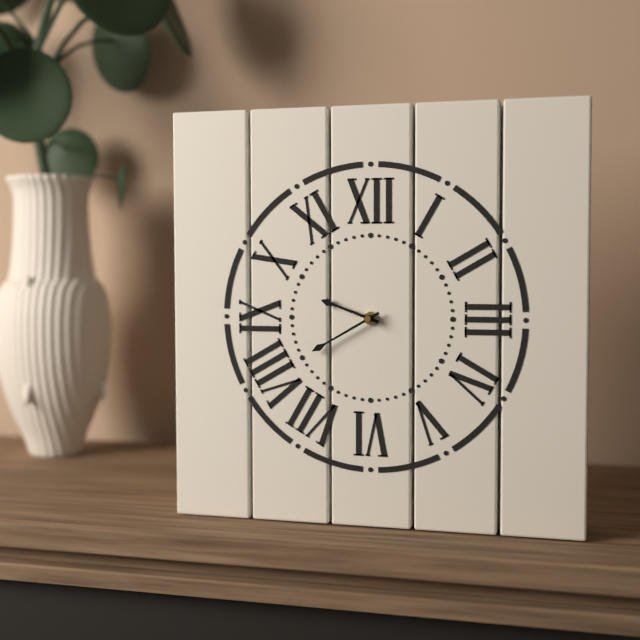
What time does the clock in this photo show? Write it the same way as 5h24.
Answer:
9h40
